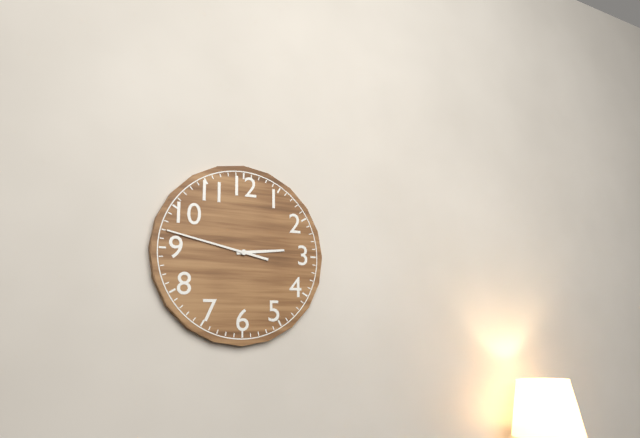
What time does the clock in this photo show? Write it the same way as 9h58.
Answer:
2h47
